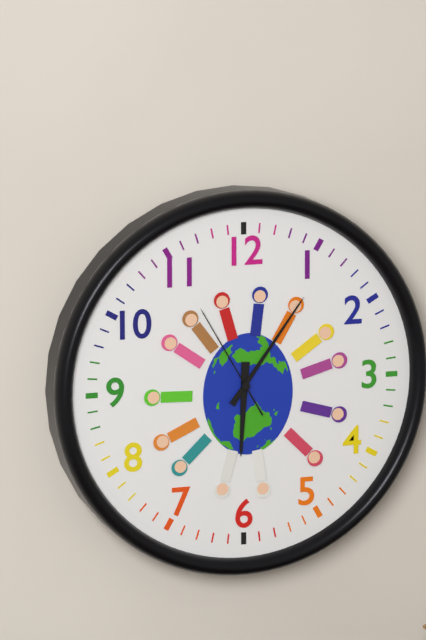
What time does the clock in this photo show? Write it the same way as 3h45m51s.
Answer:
6h06m55s
